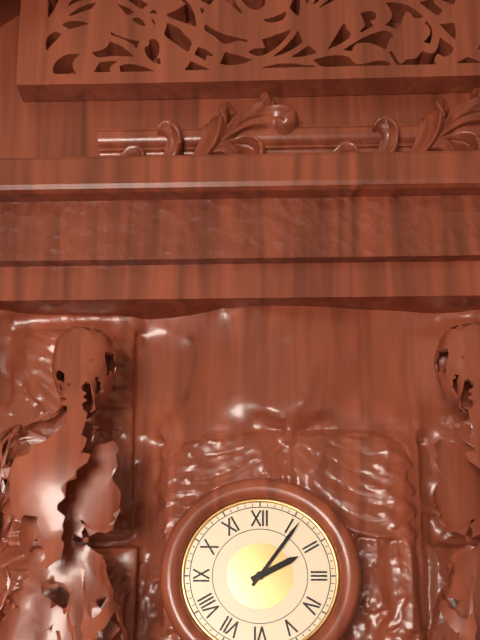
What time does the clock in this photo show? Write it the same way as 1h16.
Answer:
2h06
